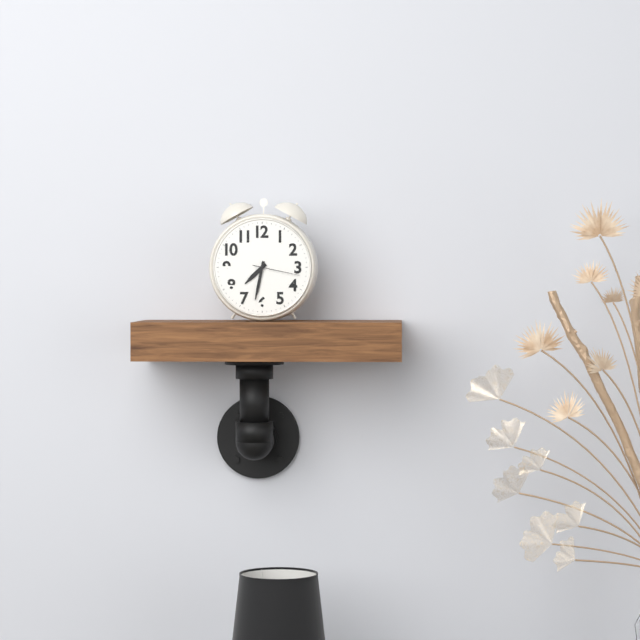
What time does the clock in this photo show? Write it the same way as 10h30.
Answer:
7h32
